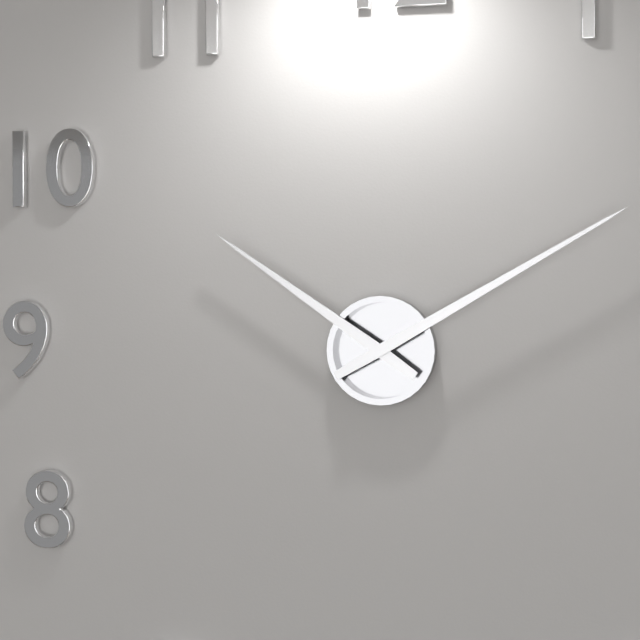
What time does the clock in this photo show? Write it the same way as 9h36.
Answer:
10h10
